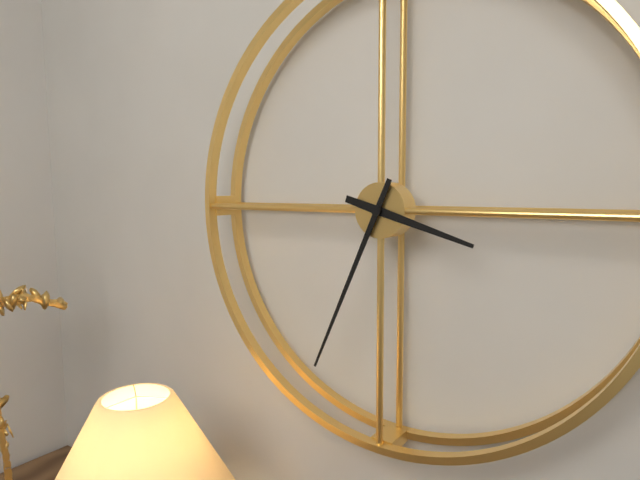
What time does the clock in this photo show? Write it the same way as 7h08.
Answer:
3h34
